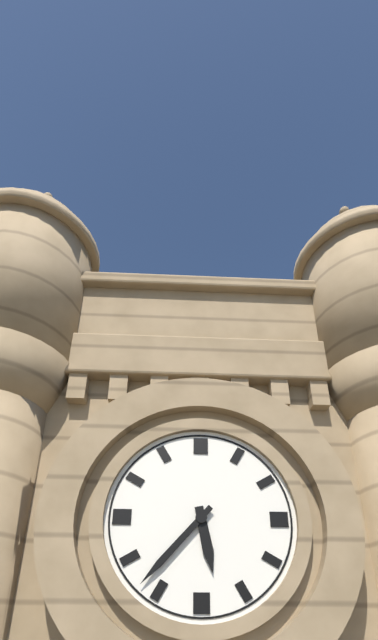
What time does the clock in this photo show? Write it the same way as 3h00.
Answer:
5h37
